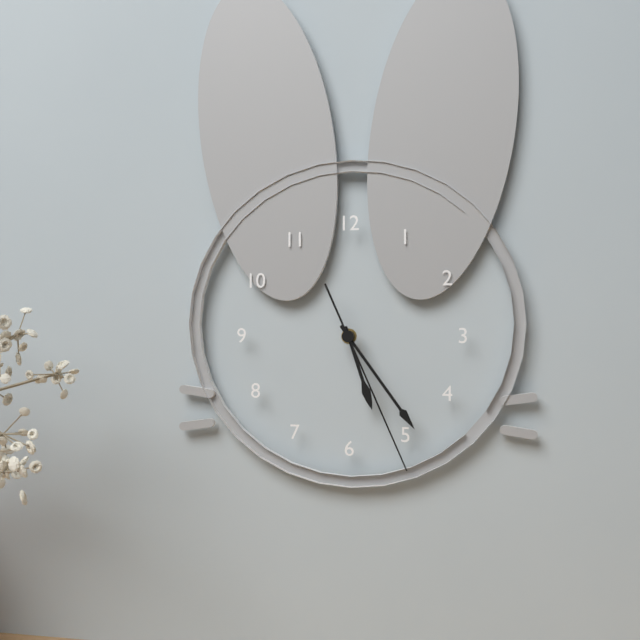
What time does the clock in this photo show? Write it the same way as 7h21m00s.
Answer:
5h24m26s
